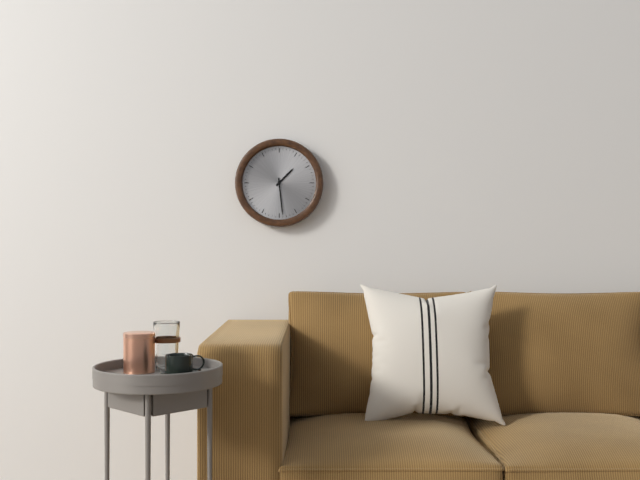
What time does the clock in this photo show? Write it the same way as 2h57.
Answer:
1h29
